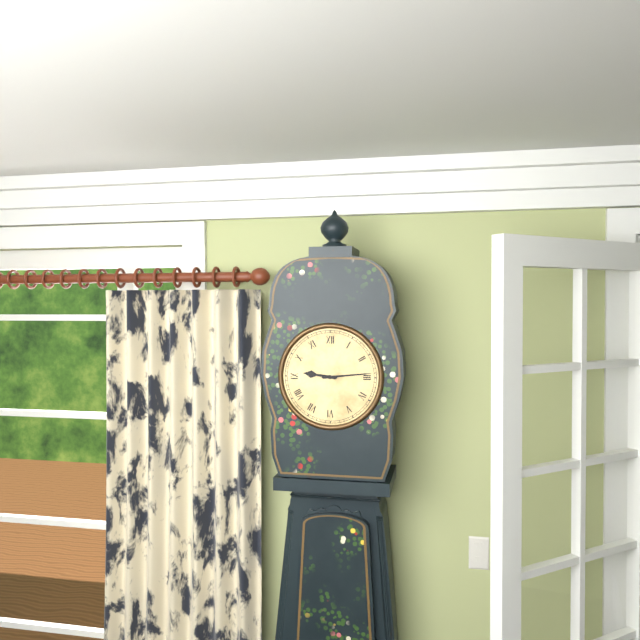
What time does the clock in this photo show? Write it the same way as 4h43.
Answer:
9h14
